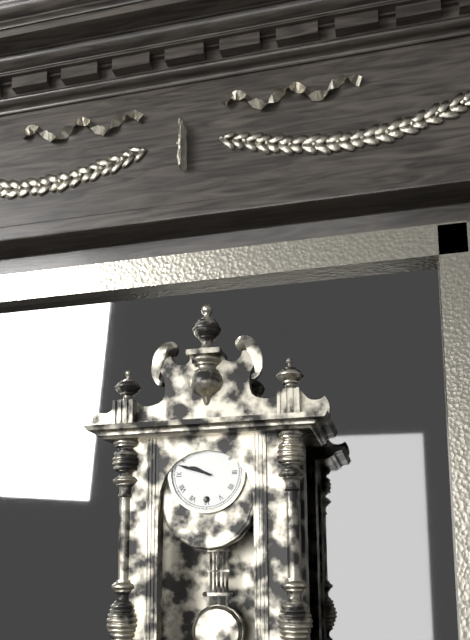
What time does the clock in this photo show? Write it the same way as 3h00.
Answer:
9h48
